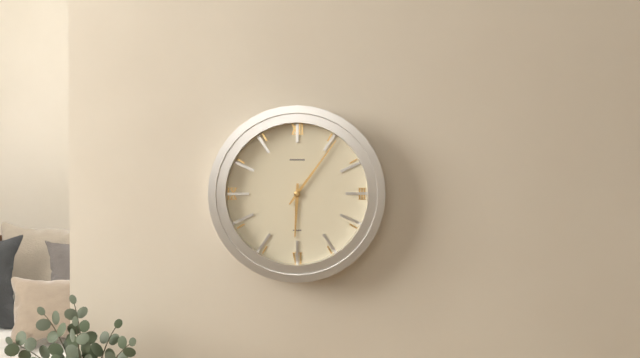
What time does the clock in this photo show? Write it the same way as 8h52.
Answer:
6h06
